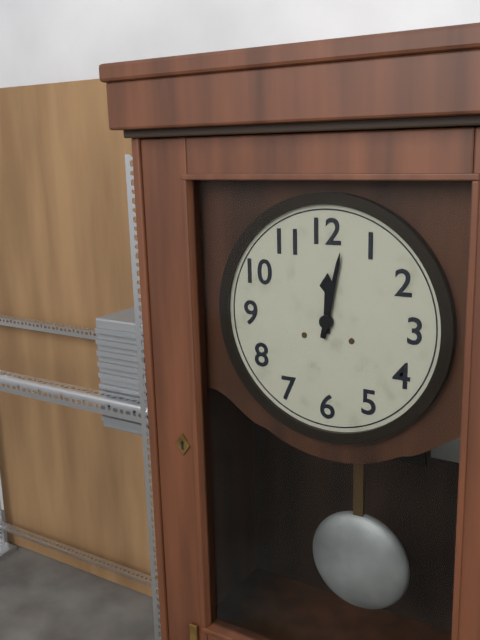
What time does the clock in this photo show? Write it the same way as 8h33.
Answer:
12h02
